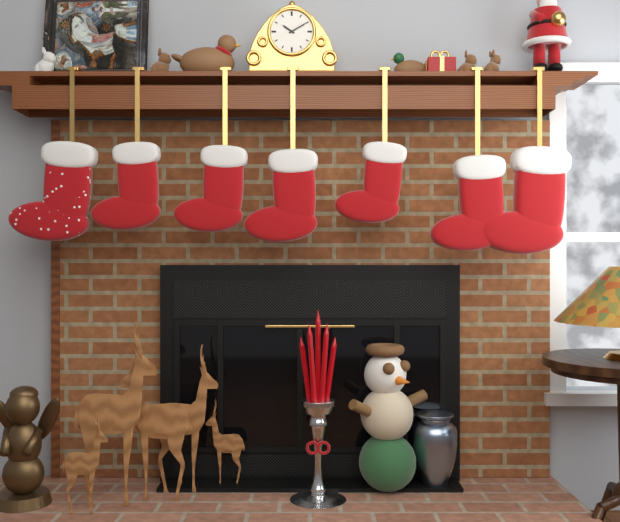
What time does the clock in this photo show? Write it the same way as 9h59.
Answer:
10h10
